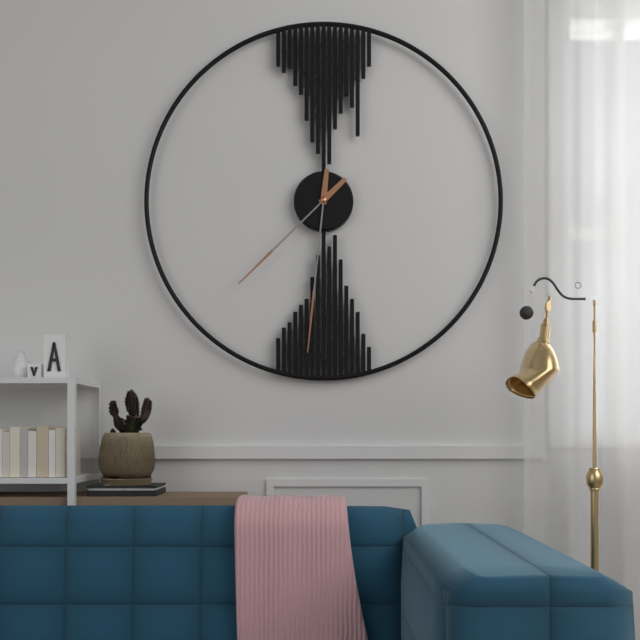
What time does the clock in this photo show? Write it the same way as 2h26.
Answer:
7h31
